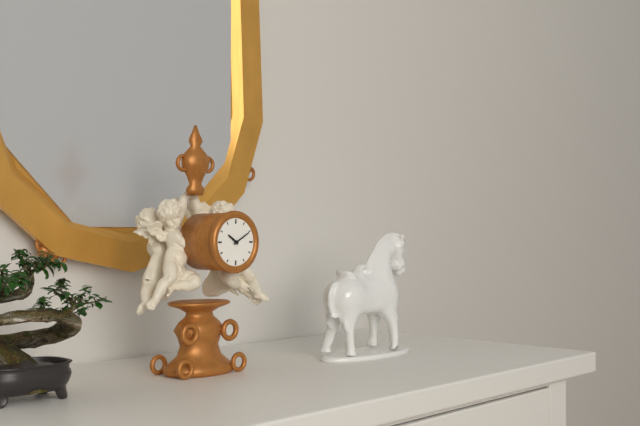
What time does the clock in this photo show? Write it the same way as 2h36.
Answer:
10h10
